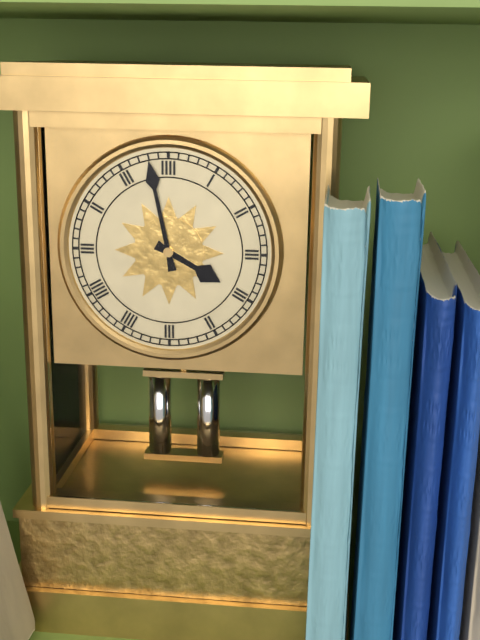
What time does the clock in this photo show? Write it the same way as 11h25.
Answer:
3h58
